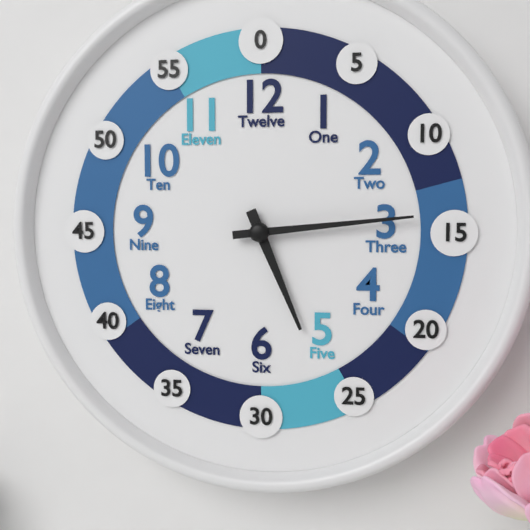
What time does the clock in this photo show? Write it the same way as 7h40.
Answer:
5h14
